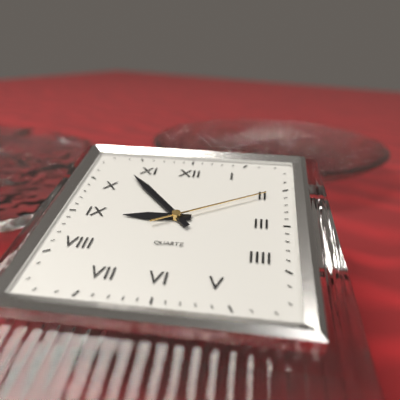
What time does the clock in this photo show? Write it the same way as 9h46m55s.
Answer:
8h53m10s
